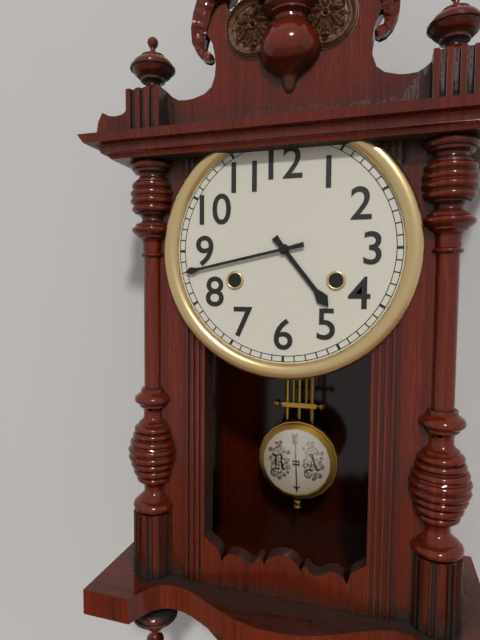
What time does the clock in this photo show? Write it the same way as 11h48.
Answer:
4h43
